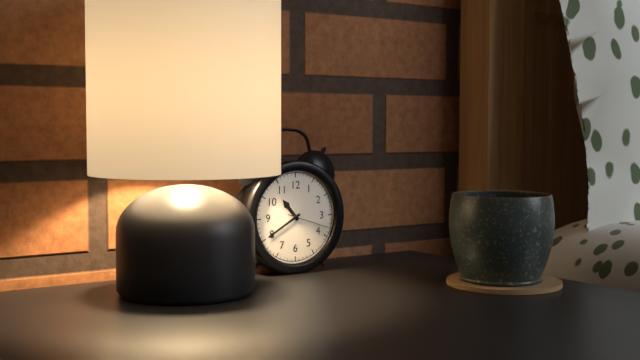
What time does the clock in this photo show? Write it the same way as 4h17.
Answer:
10h40
